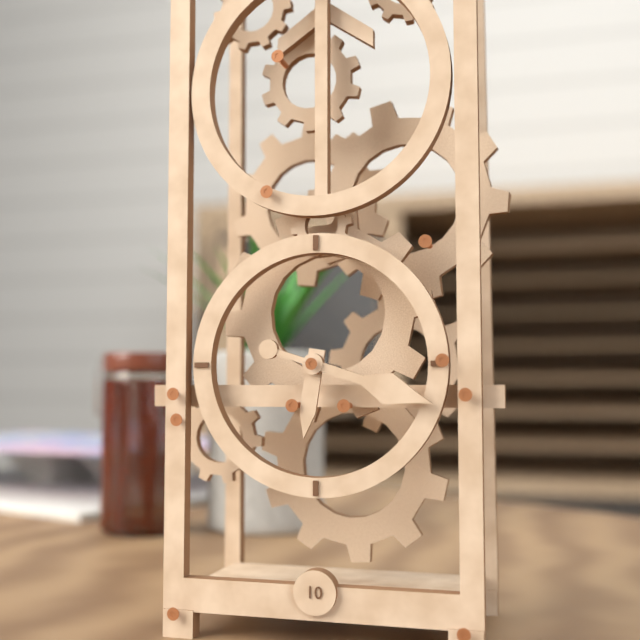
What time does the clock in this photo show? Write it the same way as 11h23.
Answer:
6h18
